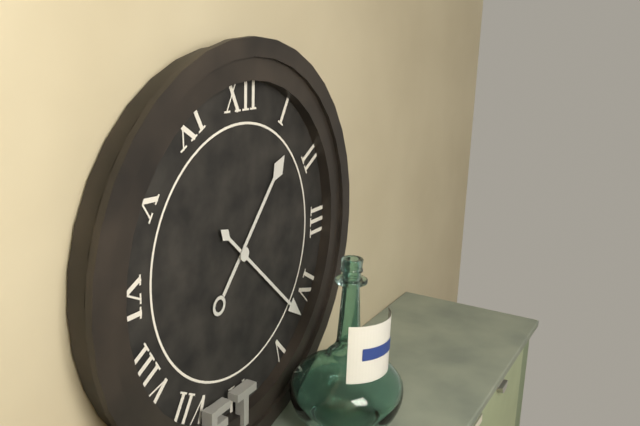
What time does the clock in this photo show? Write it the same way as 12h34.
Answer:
1h22
